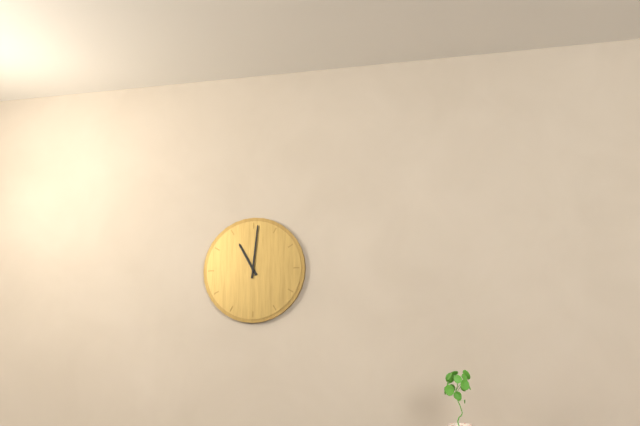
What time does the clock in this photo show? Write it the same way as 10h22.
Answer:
11h01
